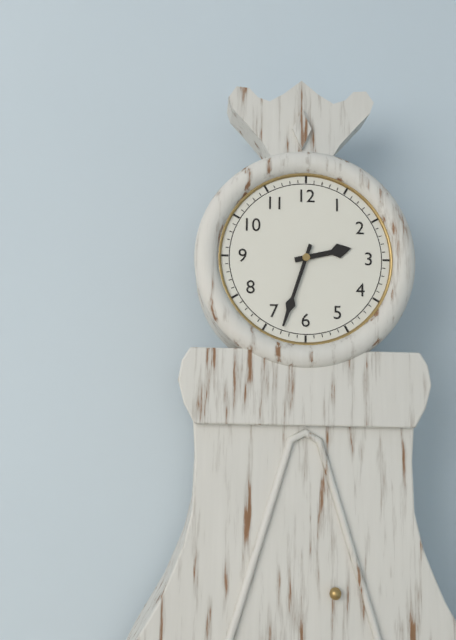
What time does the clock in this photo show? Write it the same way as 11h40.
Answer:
2h33
